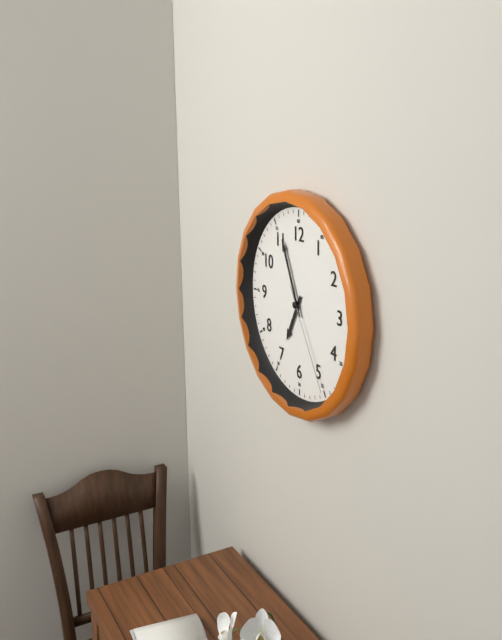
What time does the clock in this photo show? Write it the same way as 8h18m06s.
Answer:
6h56m25s
